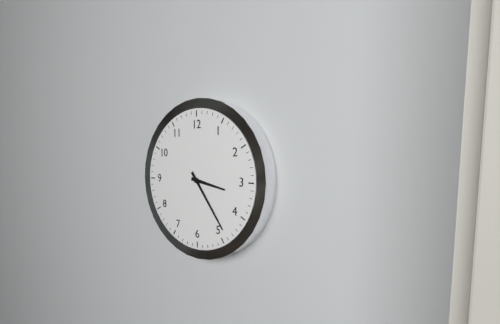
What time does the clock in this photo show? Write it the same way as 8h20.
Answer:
3h24
